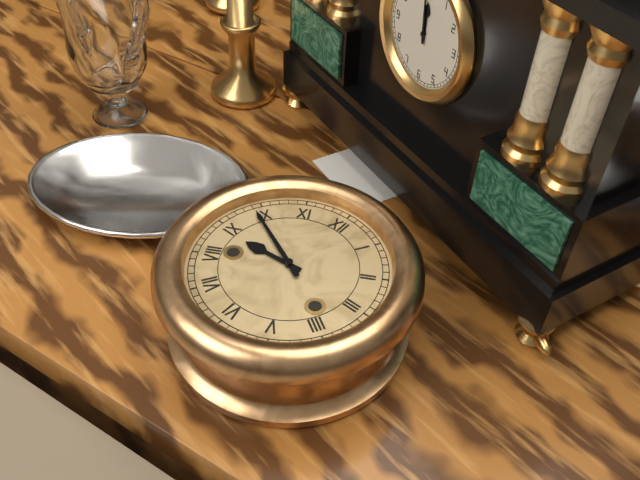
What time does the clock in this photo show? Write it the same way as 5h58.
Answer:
8h49
